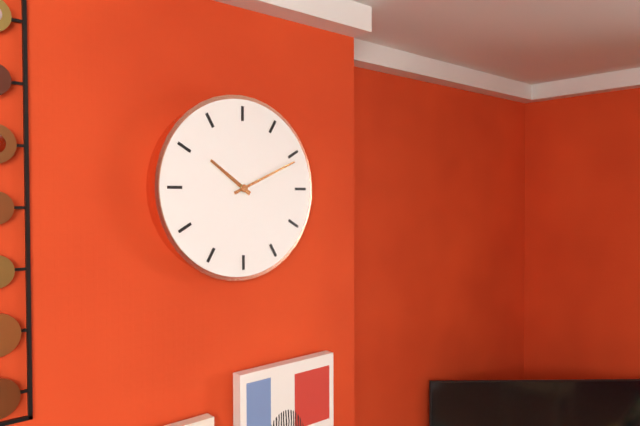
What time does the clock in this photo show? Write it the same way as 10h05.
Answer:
10h11
